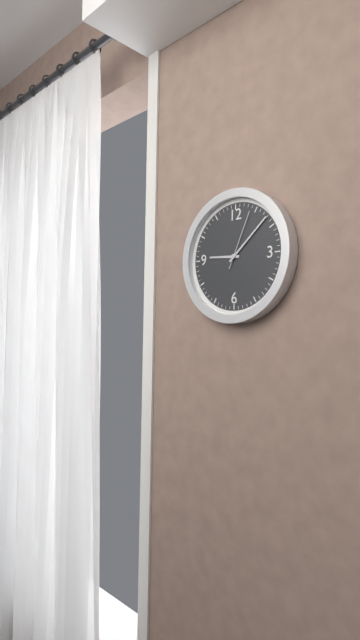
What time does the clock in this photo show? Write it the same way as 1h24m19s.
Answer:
9h08m04s
